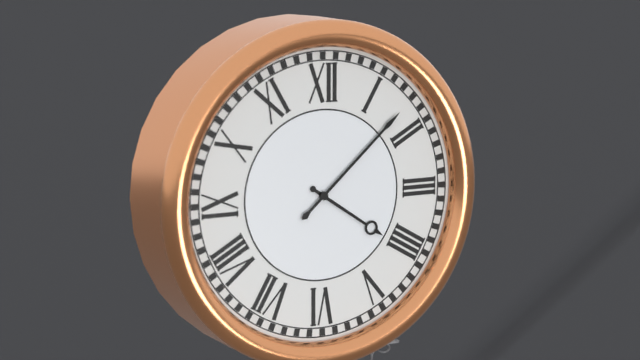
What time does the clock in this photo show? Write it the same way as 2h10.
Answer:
4h08
